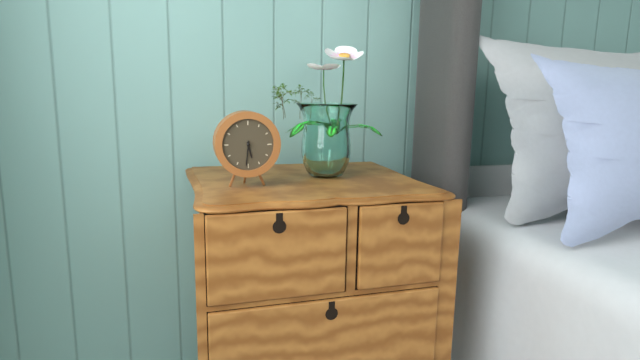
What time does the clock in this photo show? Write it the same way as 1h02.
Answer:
5h31
